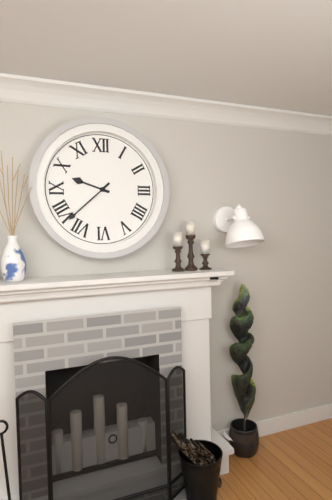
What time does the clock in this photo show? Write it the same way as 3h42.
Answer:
9h38
